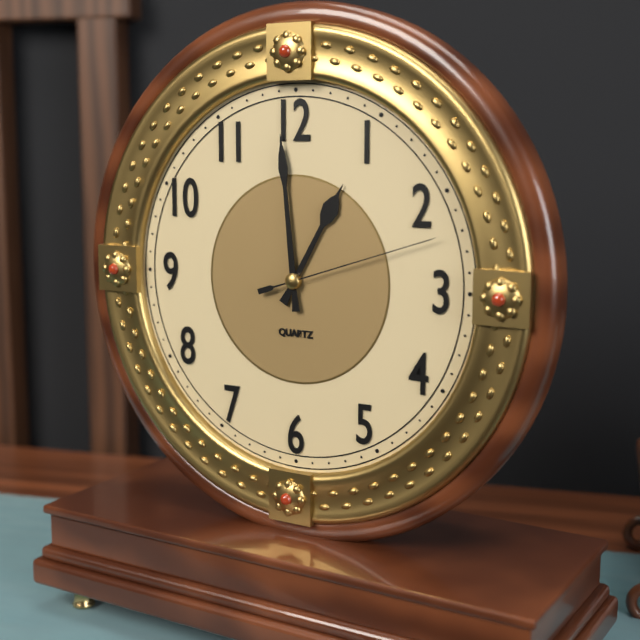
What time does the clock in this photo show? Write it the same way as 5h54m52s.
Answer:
12h59m12s
